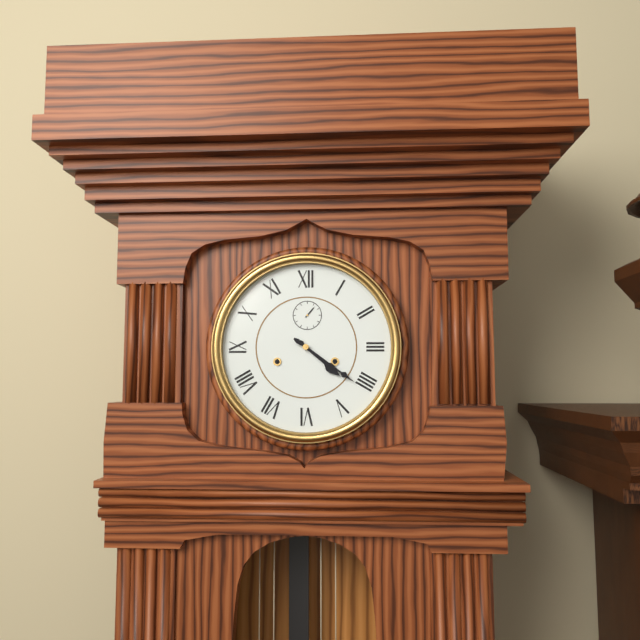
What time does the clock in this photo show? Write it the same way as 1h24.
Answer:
4h21
